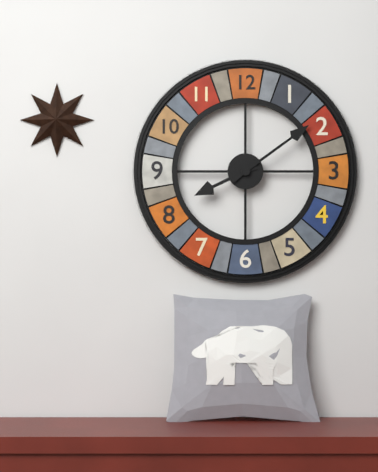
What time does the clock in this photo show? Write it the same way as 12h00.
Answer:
8h09
